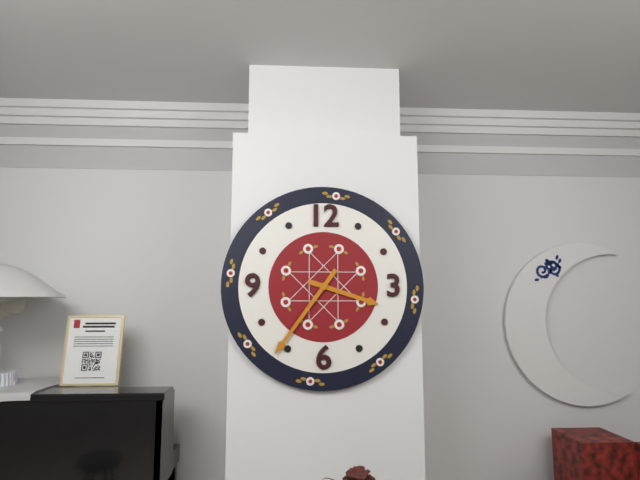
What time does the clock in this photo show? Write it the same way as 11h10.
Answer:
3h36
